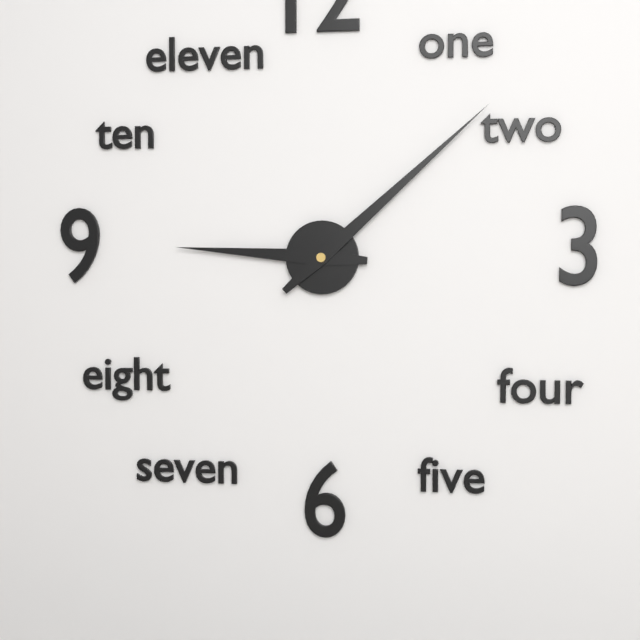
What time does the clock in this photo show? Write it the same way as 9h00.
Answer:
9h08
